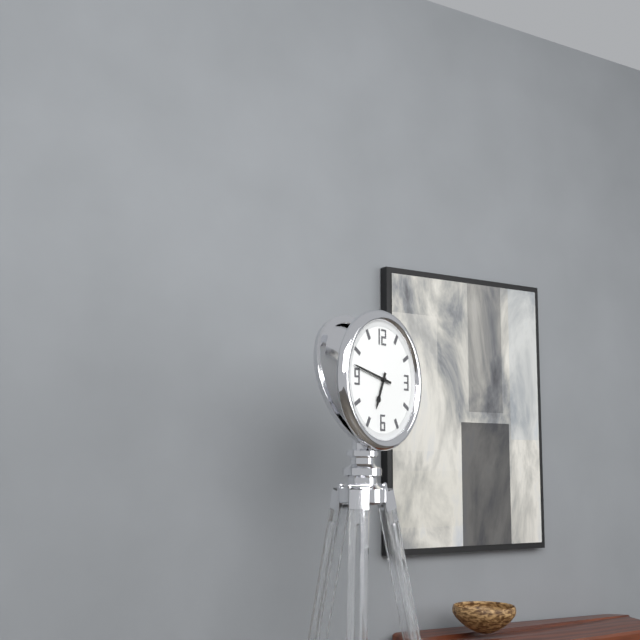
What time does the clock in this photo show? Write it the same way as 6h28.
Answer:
6h47
